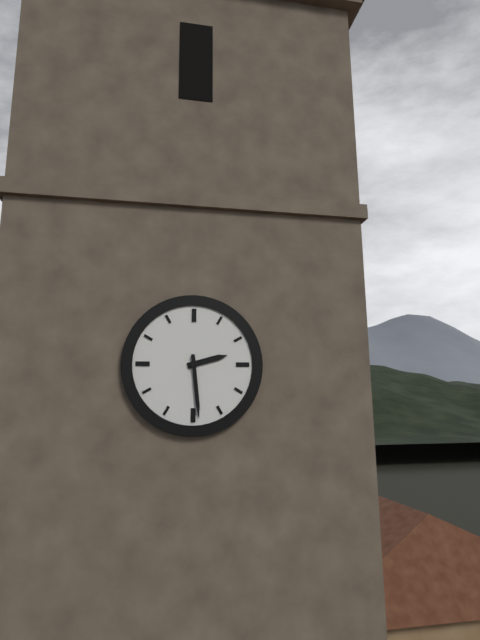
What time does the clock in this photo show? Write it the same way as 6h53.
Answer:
2h29
